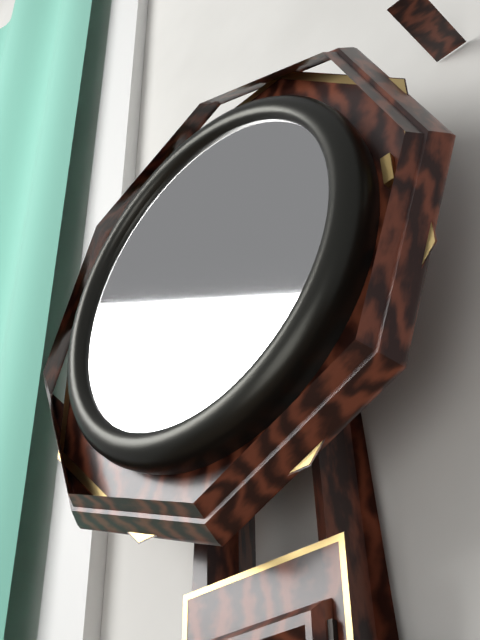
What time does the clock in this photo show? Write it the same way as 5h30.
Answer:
5h41
